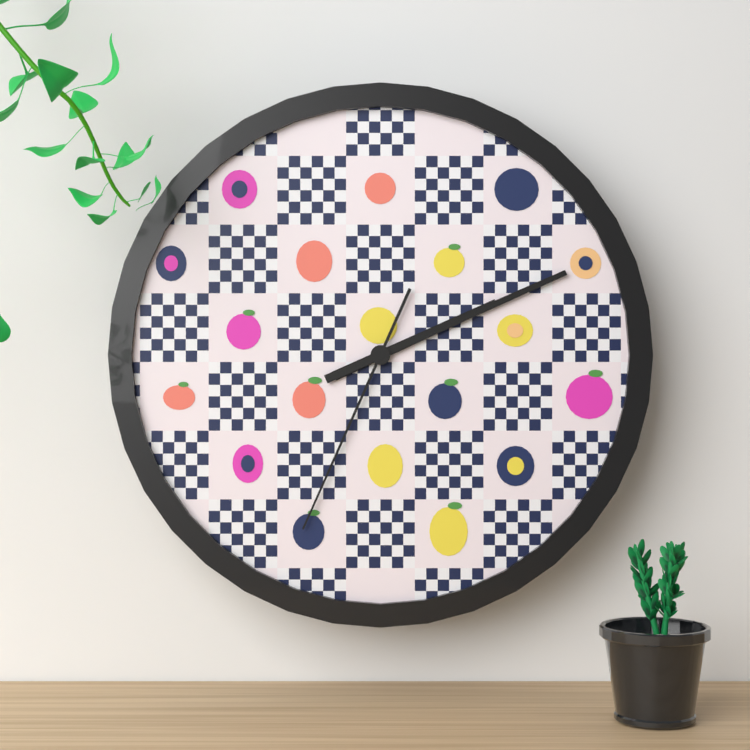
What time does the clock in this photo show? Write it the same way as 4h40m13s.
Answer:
2h11m34s
